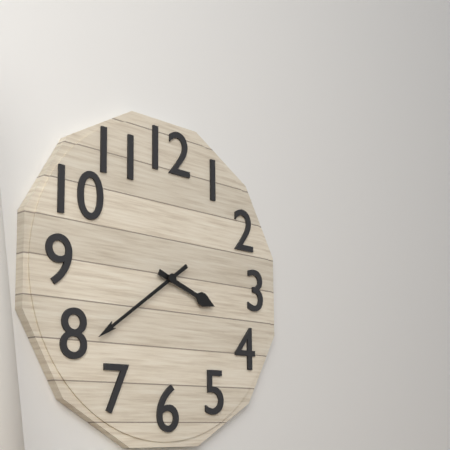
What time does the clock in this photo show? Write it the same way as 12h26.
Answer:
3h39
